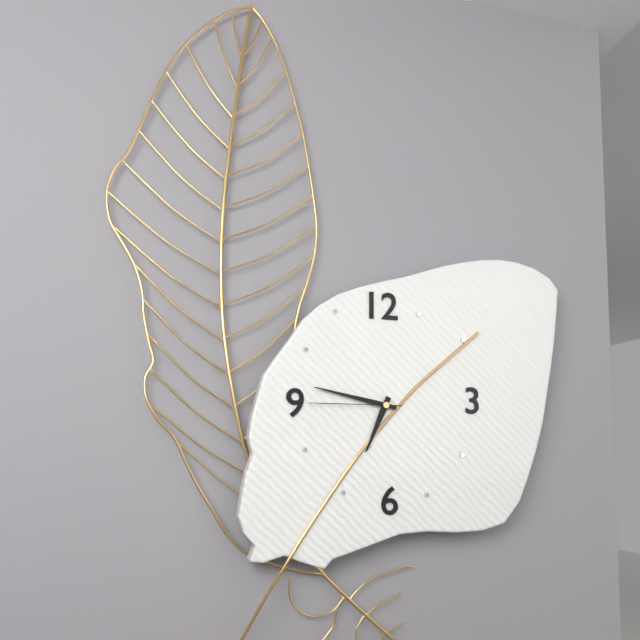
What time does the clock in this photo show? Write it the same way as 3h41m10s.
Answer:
6h47m45s
